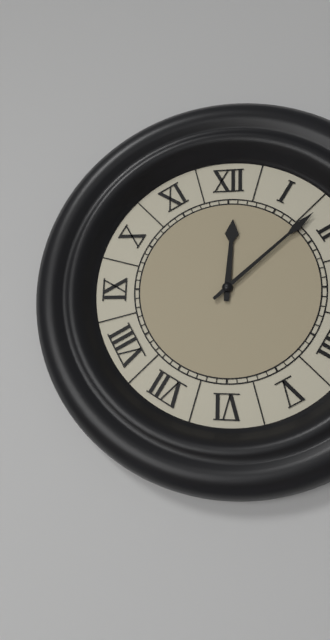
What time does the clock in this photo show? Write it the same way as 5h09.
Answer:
12h08
